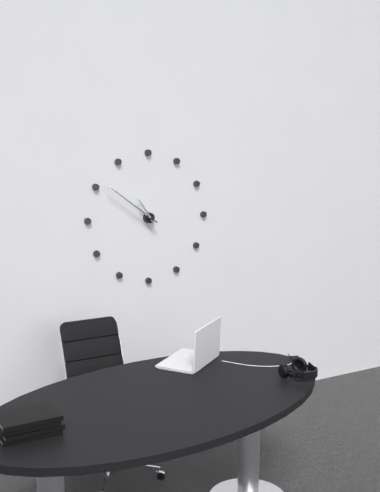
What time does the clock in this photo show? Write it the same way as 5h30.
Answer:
10h51
